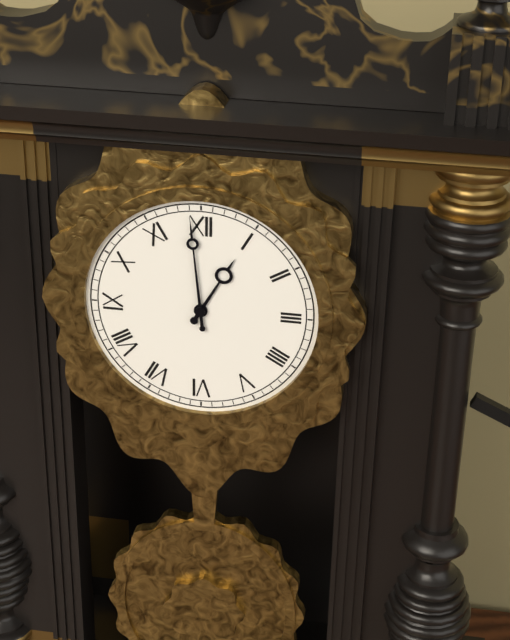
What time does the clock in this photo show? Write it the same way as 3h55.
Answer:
12h59
